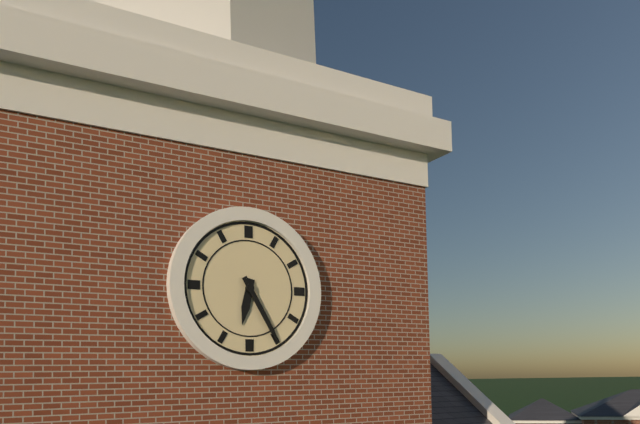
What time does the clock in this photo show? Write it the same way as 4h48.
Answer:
6h25
